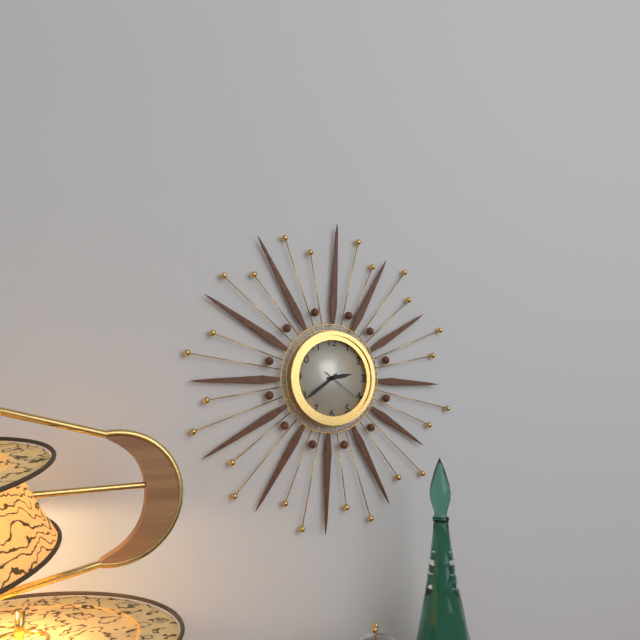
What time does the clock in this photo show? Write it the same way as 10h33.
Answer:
2h39
